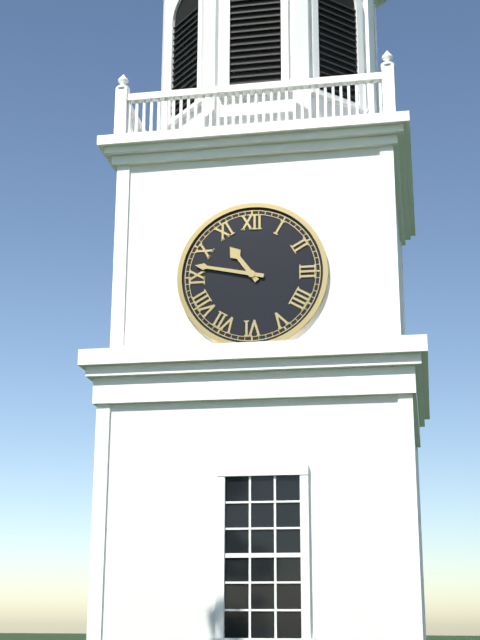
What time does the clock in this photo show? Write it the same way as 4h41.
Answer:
10h47
